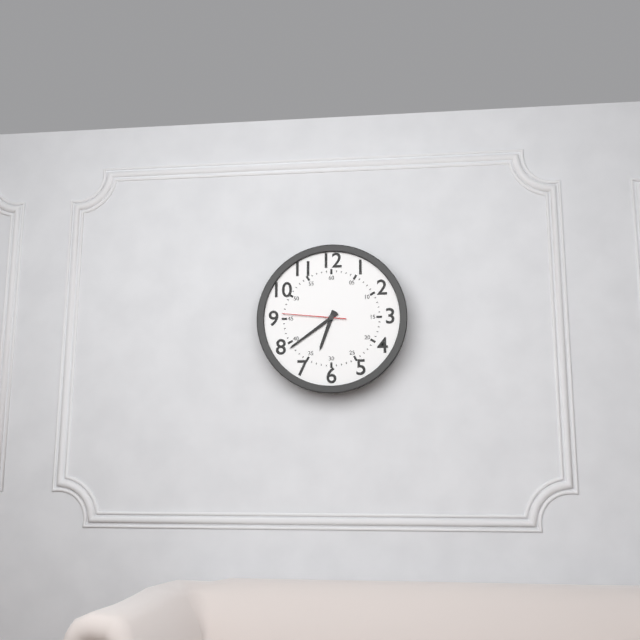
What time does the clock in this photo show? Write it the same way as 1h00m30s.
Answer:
6h39m46s
